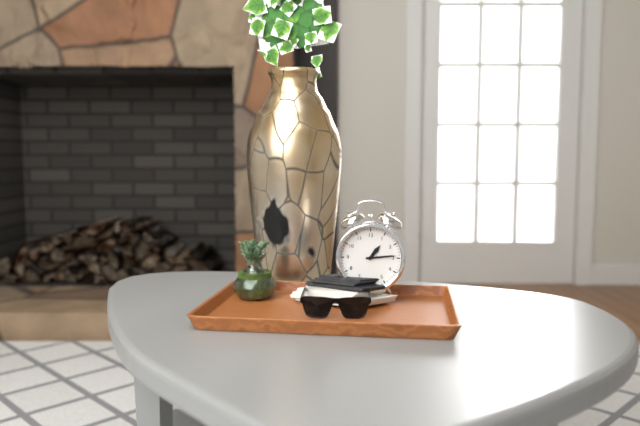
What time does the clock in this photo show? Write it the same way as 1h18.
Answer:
1h14
